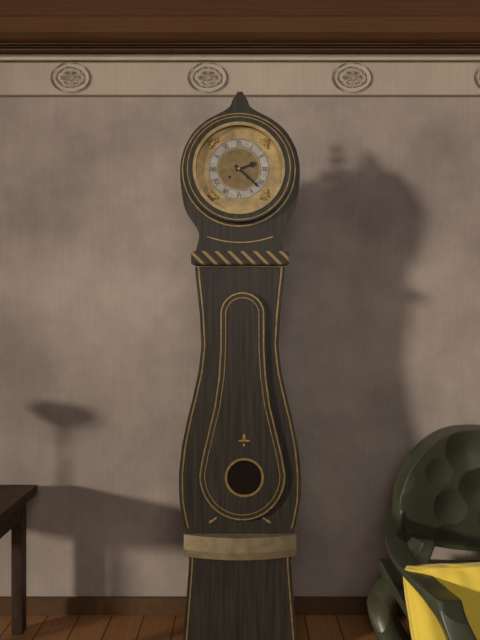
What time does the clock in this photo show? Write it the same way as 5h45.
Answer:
2h22
